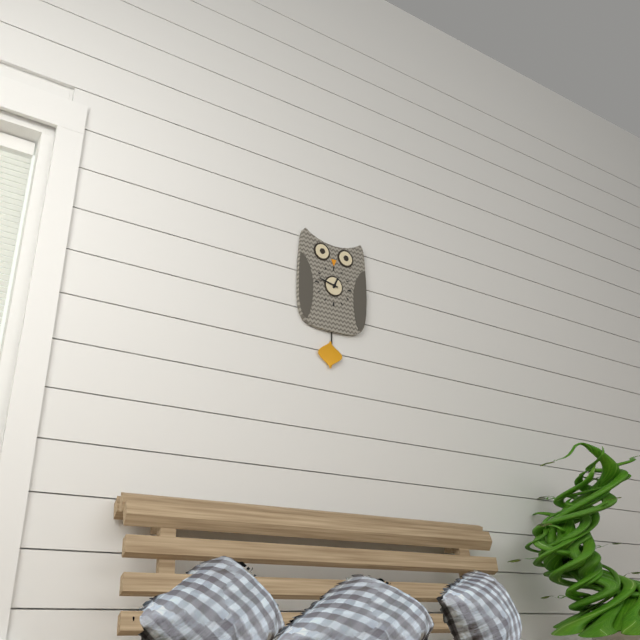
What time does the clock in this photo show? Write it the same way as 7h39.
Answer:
12h47
